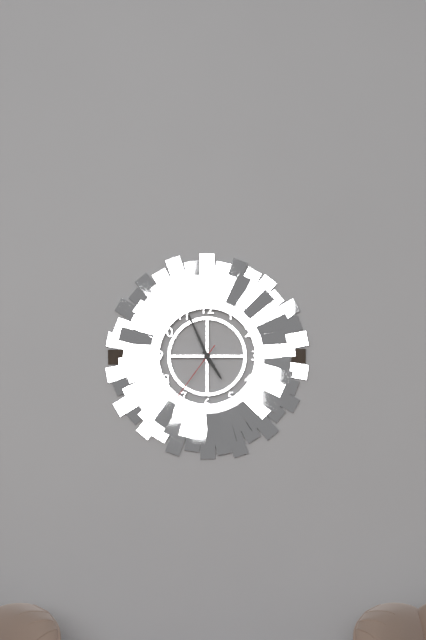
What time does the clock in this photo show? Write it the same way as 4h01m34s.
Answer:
4h56m36s
